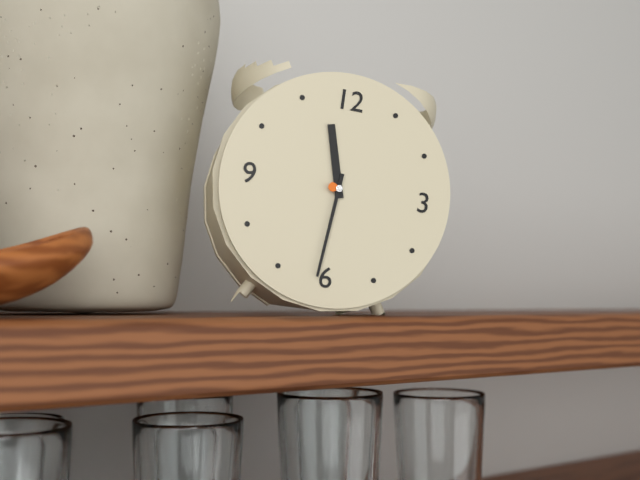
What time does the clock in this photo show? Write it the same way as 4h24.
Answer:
11h31
